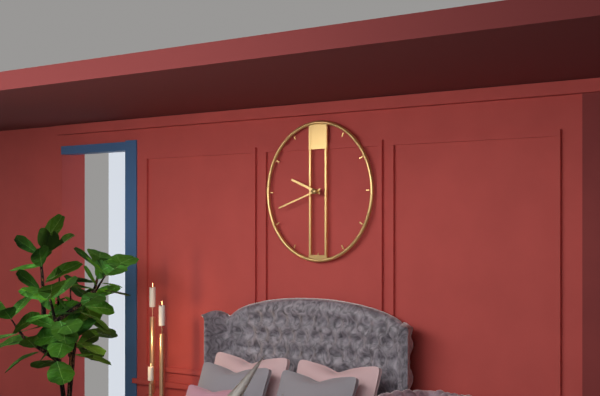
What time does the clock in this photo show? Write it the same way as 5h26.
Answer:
9h42
